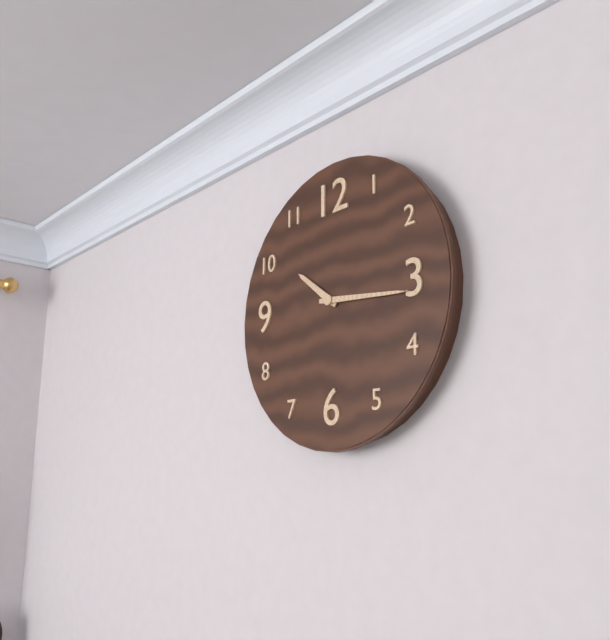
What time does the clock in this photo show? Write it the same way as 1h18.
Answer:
10h16
